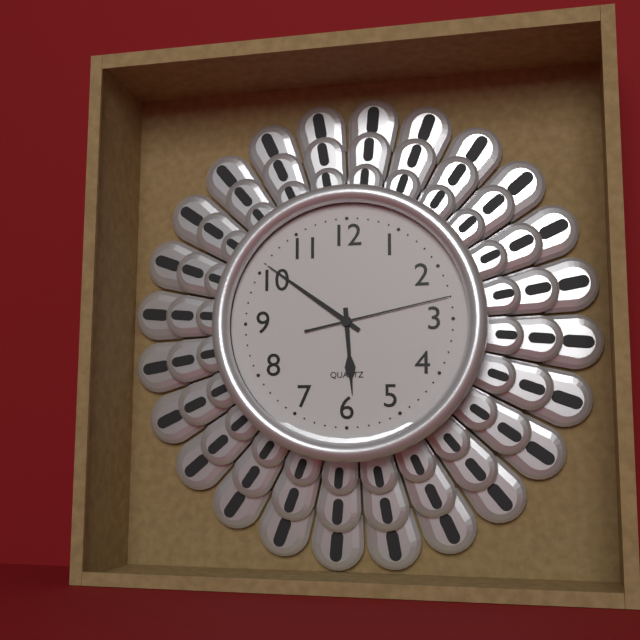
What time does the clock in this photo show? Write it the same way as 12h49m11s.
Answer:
5h51m13s
